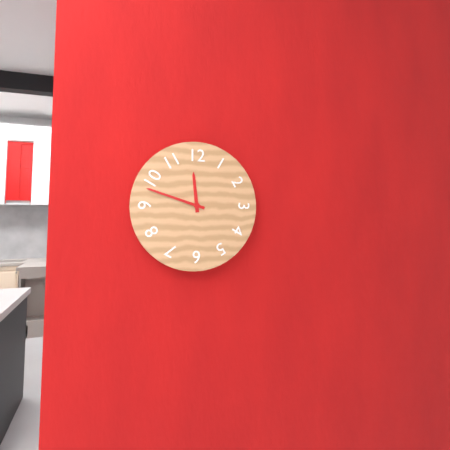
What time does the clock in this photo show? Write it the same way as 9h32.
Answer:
11h48
